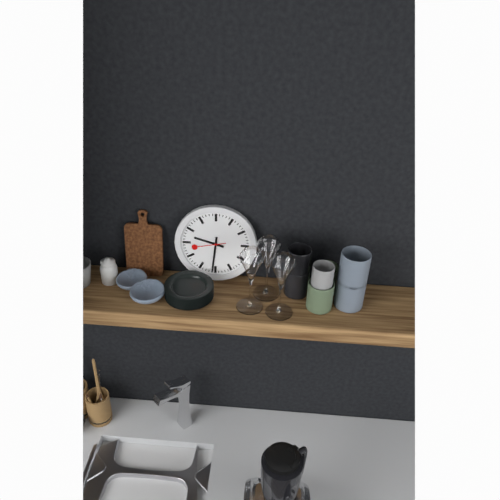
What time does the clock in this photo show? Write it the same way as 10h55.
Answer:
9h31
